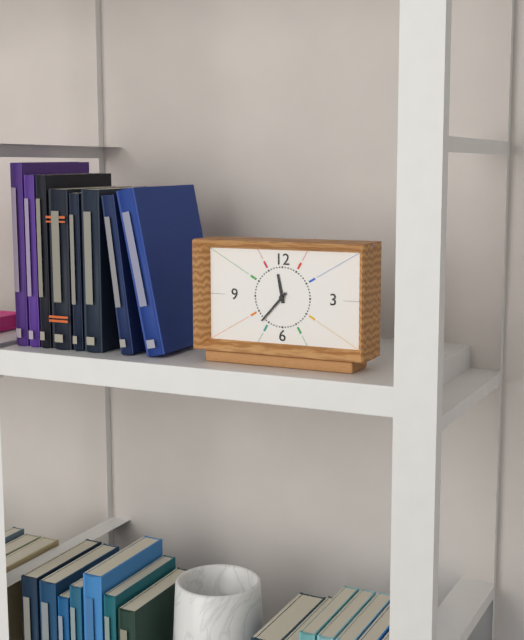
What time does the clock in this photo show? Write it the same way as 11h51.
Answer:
11h37
